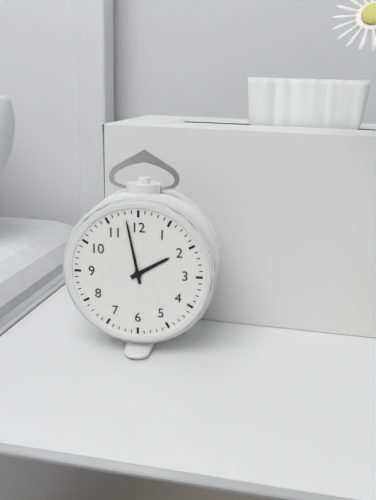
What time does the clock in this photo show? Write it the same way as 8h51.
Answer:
1h58
